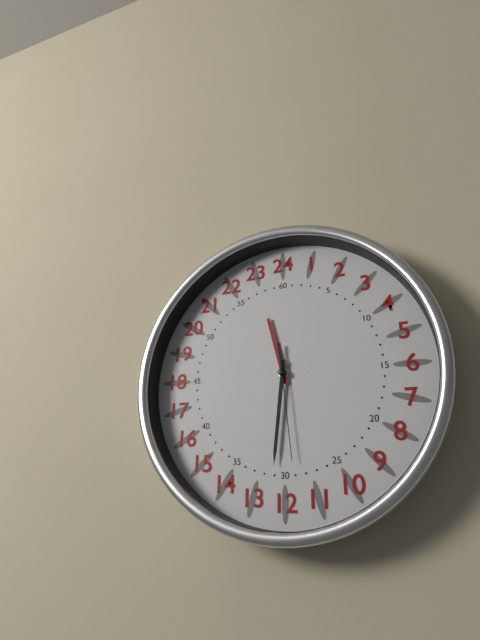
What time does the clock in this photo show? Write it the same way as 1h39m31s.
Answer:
11h31m29s
